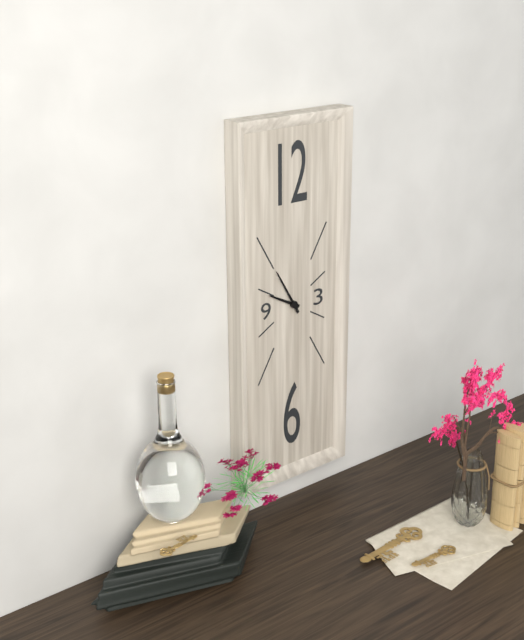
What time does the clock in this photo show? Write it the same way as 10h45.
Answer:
9h55
